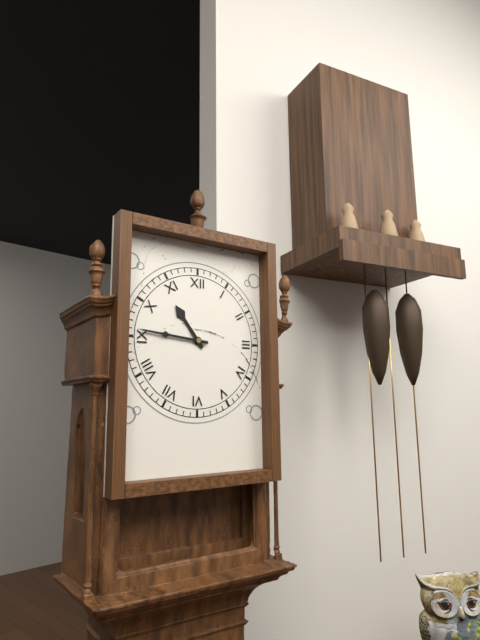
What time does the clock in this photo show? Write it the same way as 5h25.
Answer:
10h46
